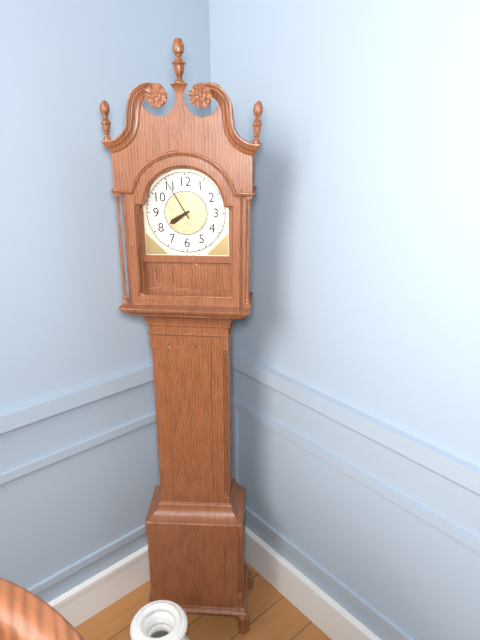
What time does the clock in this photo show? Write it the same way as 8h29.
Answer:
7h55
